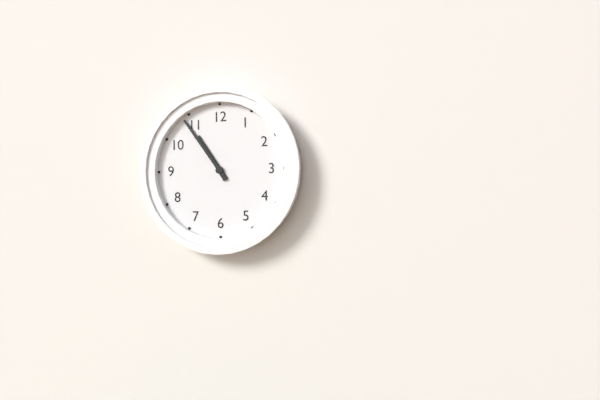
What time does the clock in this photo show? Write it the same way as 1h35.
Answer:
10h54
